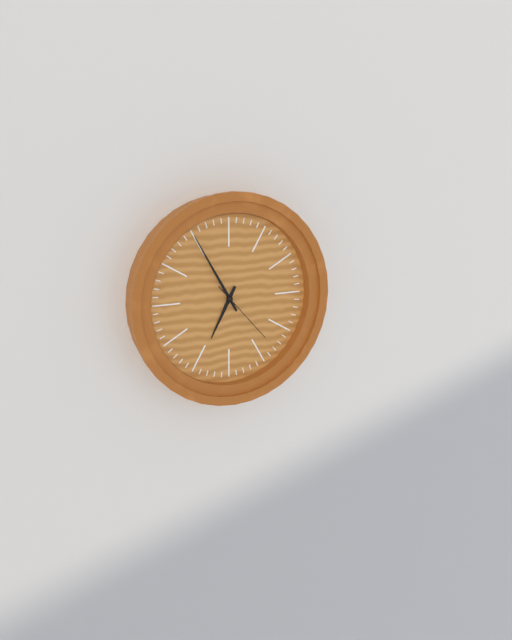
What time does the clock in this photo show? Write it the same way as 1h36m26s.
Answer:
6h55m23s
